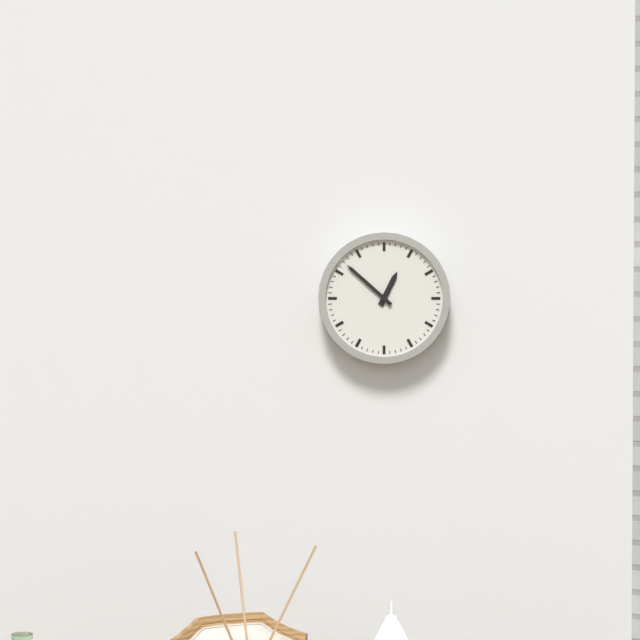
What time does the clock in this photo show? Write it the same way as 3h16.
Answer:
12h52
